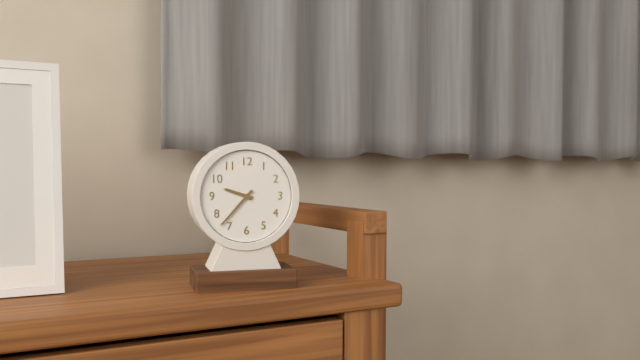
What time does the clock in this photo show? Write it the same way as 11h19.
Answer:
9h37
